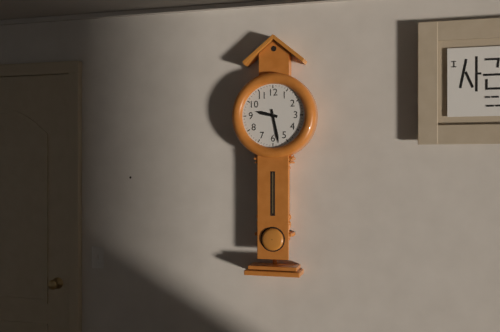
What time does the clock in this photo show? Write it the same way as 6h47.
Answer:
9h28
